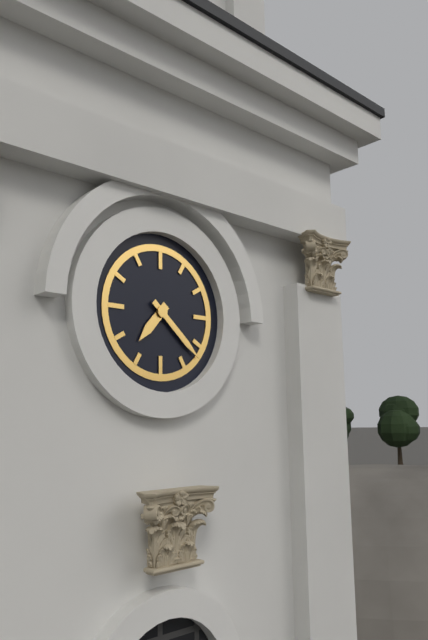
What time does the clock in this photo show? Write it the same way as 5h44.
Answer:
7h22
